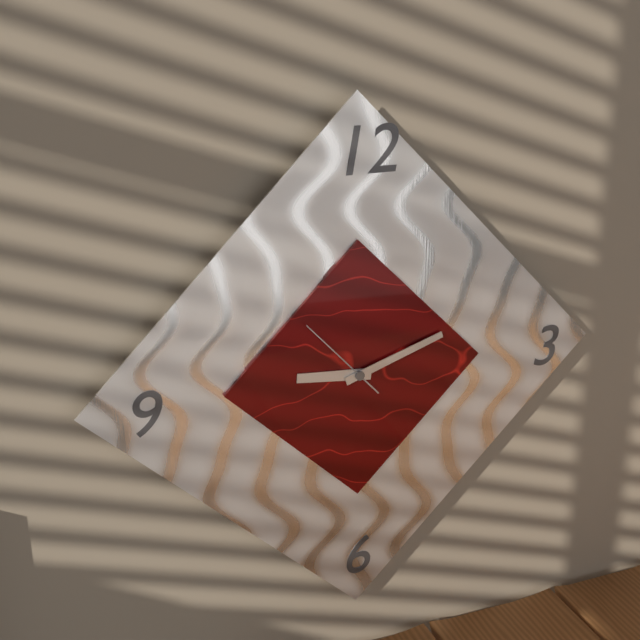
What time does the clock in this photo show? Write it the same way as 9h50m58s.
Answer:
9h12m53s
